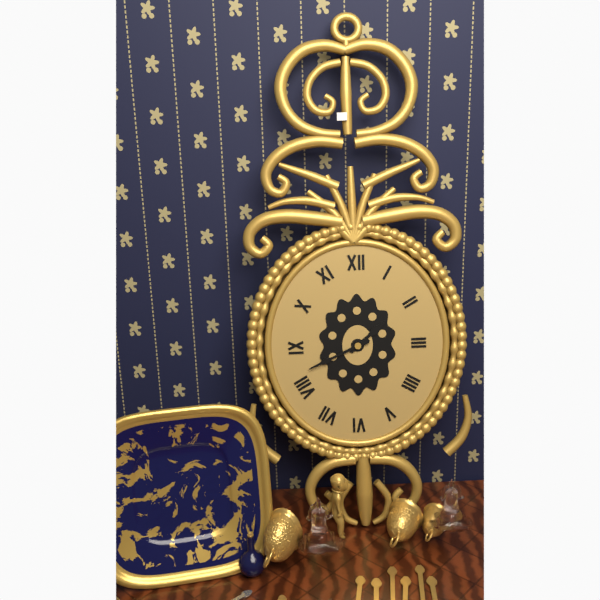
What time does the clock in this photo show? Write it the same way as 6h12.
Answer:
1h41
